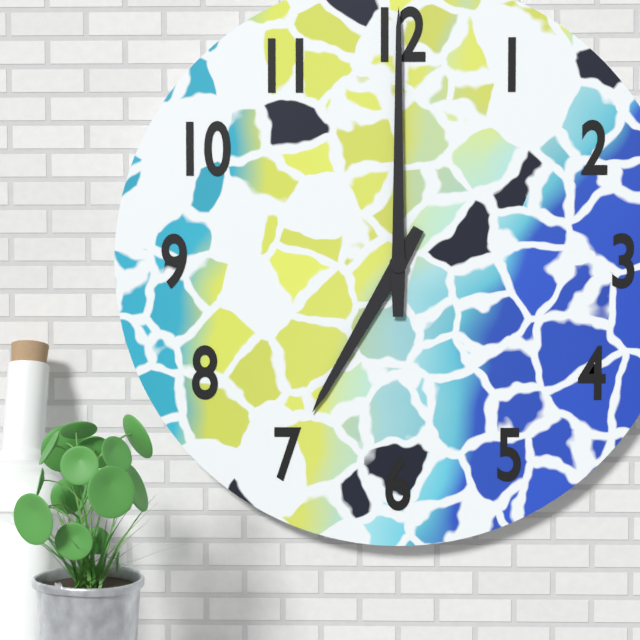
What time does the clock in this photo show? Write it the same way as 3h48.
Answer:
7h00
